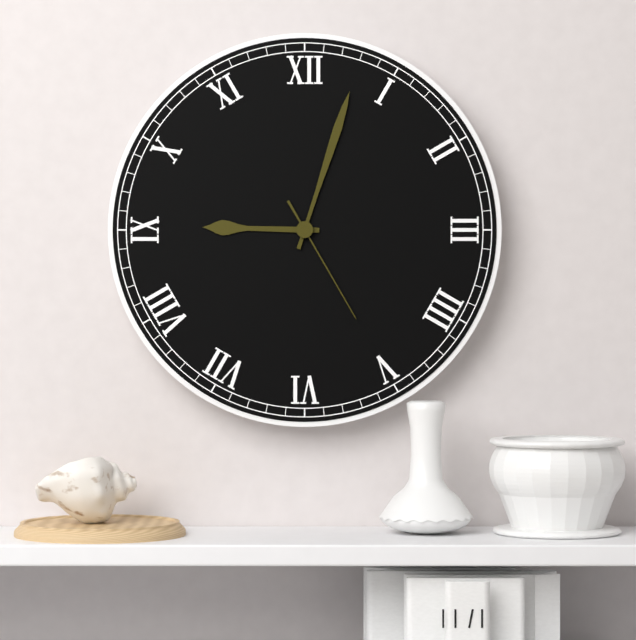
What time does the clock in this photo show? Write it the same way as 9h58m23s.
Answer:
9h03m25s
